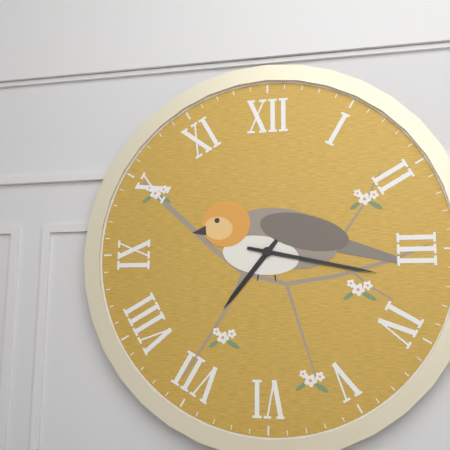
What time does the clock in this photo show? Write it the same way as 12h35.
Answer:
7h17
